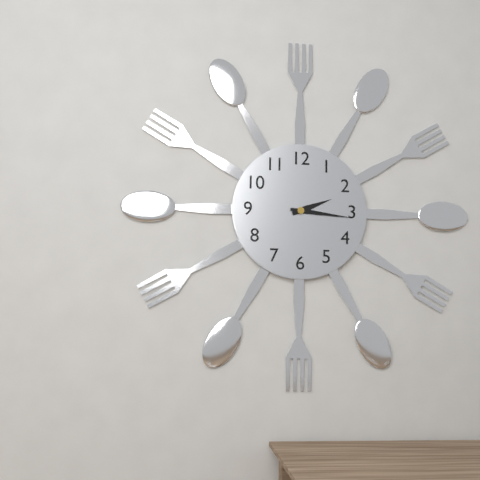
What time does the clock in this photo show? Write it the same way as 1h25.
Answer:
2h16
